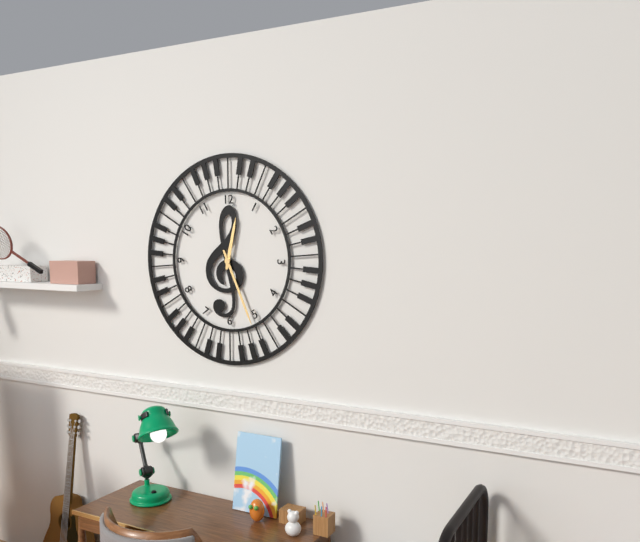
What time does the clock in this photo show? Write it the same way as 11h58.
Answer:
12h26
